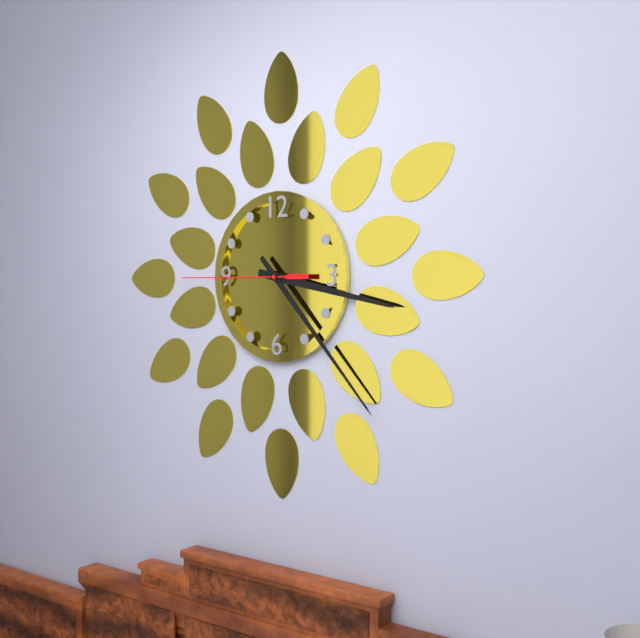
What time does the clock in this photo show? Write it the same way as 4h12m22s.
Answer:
3h23m45s
